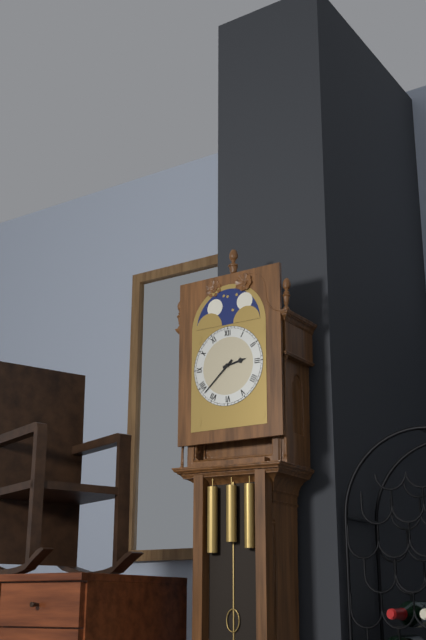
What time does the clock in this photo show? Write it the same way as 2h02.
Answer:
2h38
